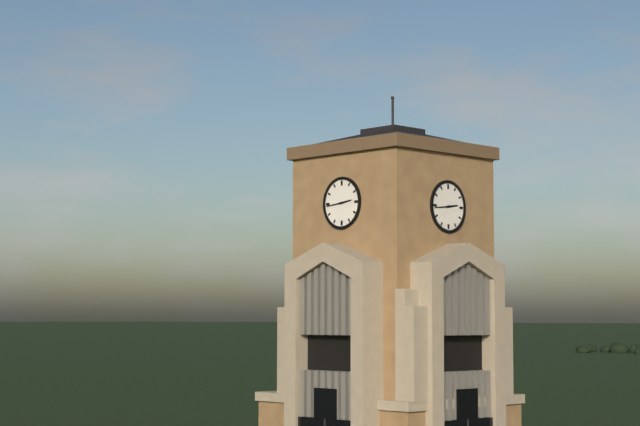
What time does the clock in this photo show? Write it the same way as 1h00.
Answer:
2h44
